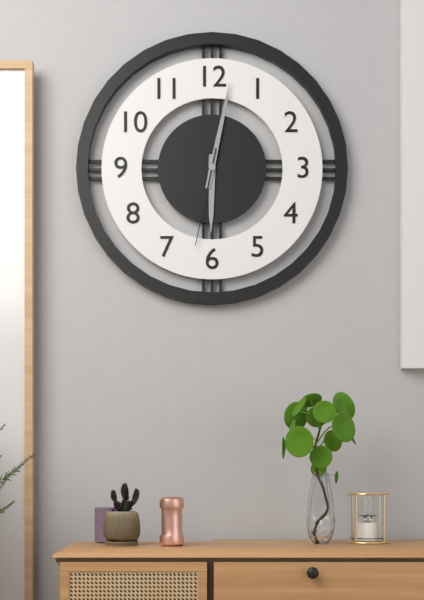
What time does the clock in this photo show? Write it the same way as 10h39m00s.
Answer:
6h02m32s
